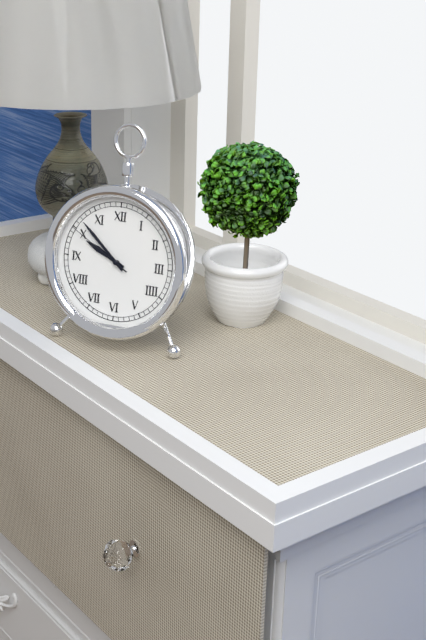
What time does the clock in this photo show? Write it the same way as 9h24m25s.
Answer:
9h52m50s
